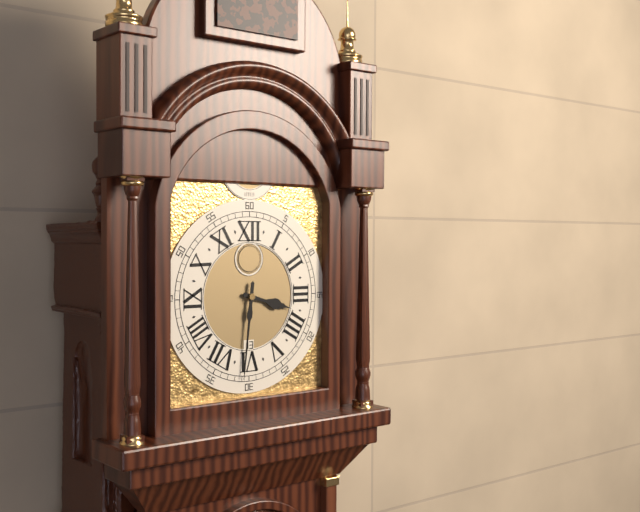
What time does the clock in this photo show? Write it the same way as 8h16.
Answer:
3h31
